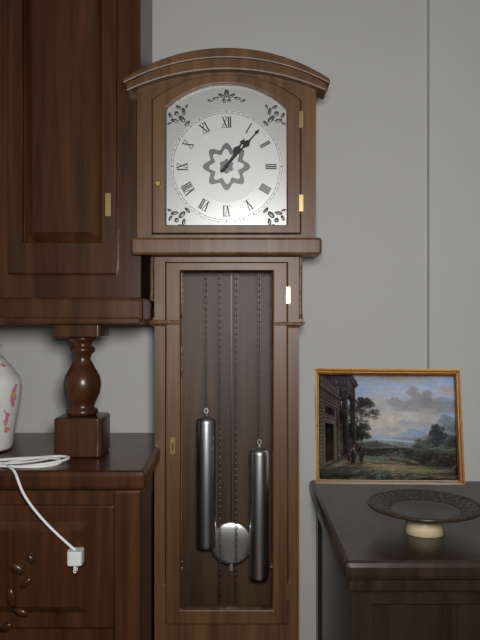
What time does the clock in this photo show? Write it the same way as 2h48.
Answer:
1h07
